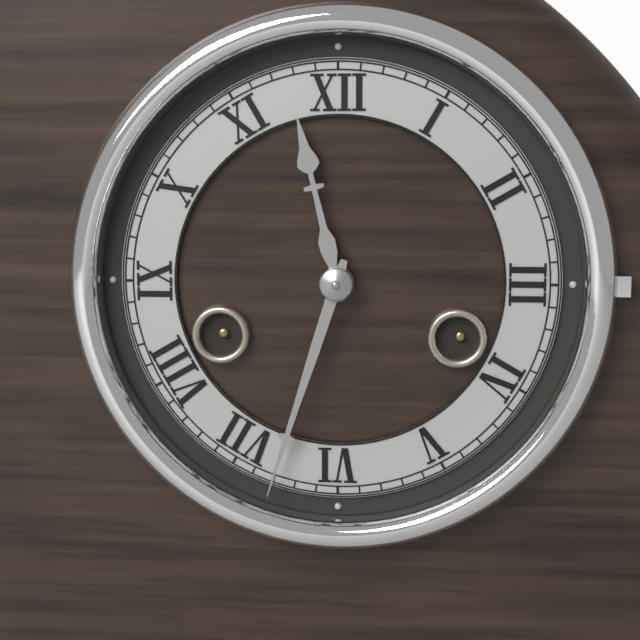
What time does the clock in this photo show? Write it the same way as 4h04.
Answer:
11h33
